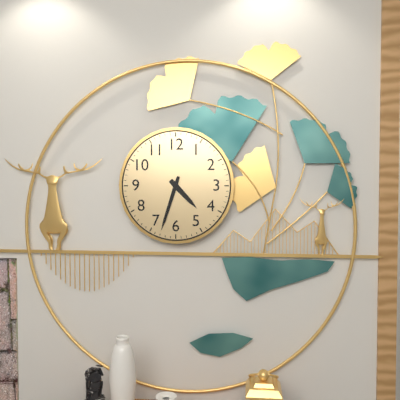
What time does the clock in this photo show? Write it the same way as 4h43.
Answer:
4h33
